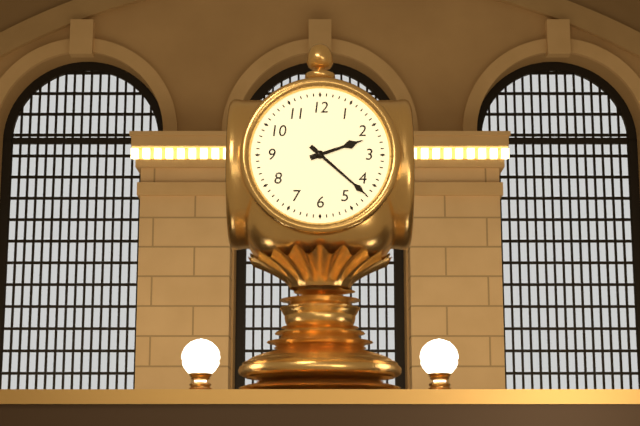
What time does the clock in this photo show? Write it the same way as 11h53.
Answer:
2h22
